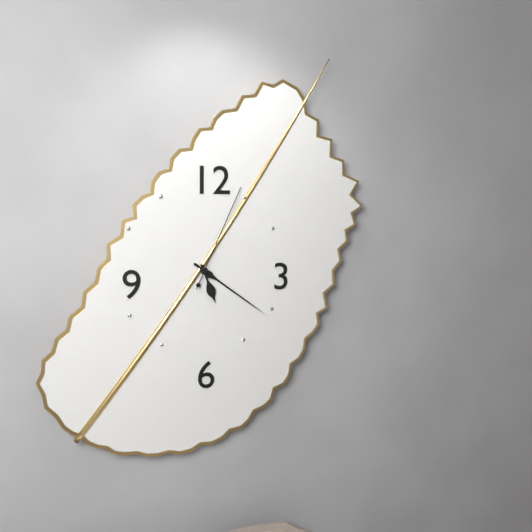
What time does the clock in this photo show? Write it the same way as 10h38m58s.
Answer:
5h21m04s
